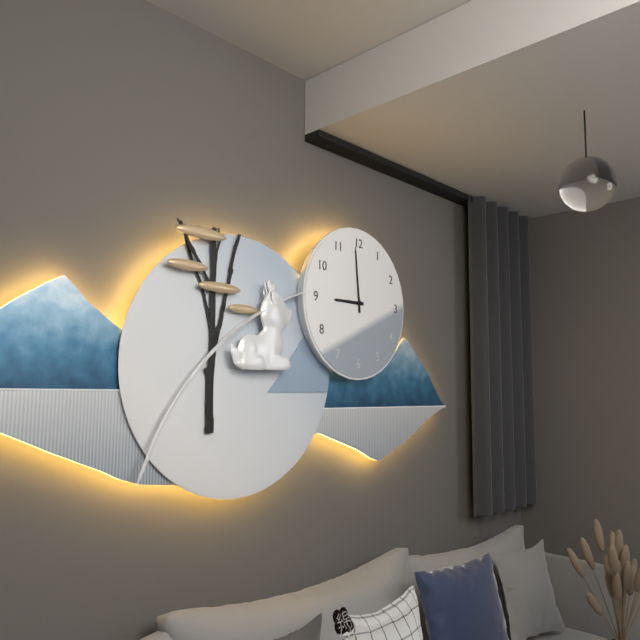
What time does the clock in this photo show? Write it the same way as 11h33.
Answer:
8h59
